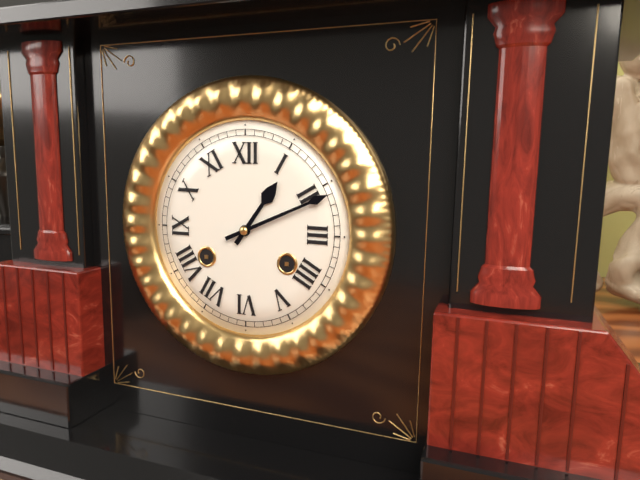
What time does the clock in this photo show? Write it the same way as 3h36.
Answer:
1h11
